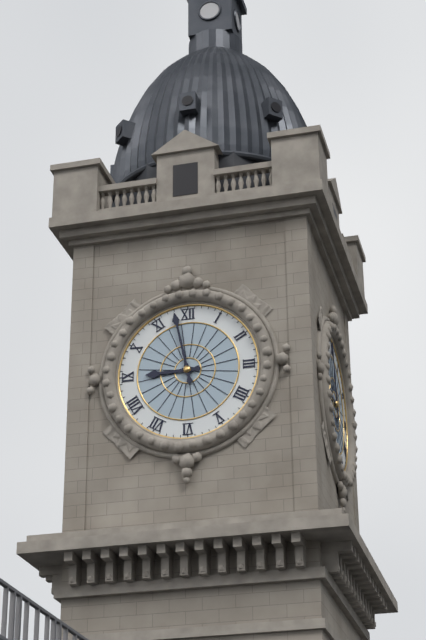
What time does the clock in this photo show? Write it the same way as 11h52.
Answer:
8h58
